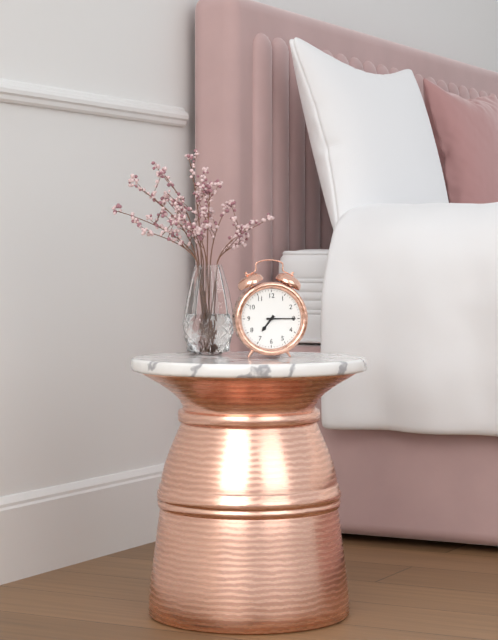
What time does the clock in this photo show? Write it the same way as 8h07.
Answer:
7h15
